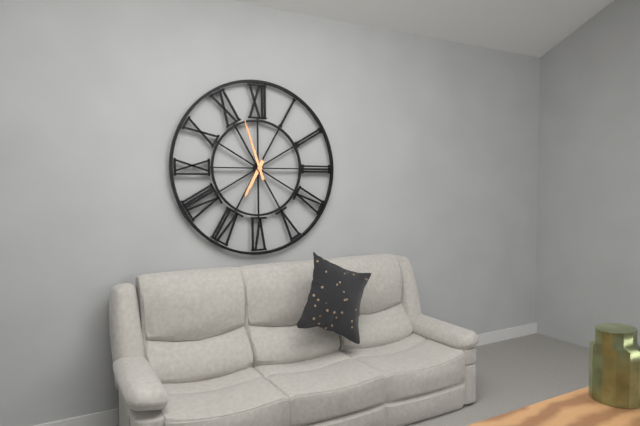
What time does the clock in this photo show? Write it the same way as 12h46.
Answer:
6h57
